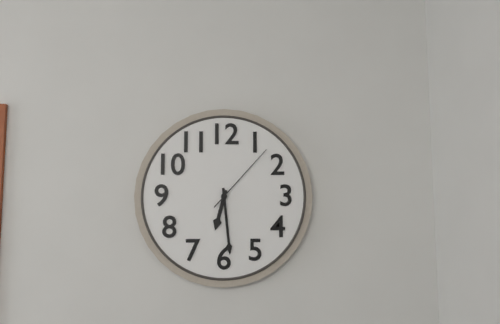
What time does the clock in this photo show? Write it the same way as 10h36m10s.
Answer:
6h29m07s
